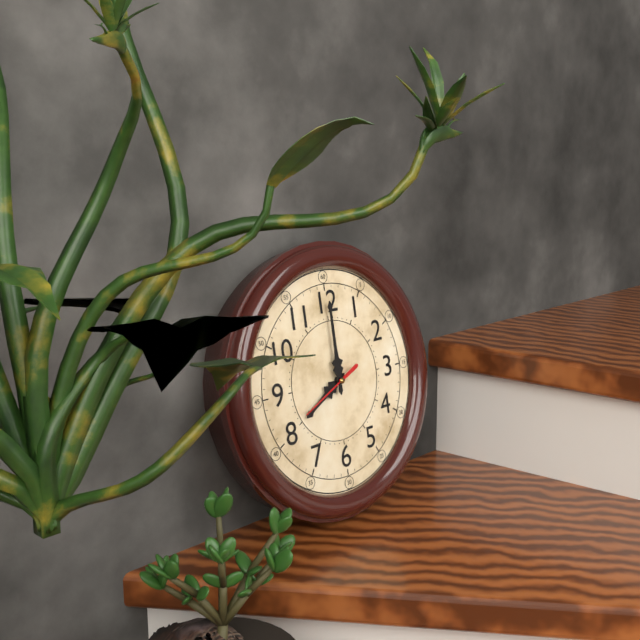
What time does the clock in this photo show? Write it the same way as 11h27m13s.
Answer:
8h00m41s
